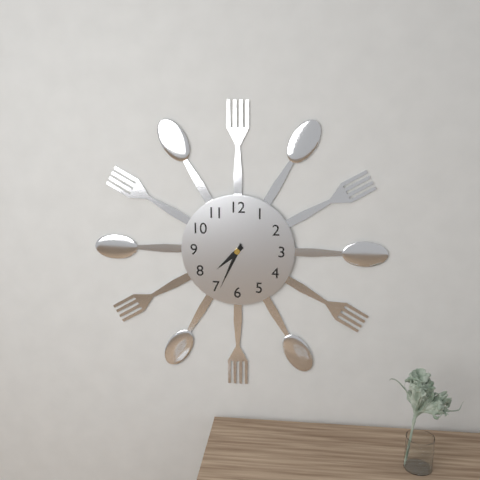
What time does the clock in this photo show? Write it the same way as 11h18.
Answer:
7h34
